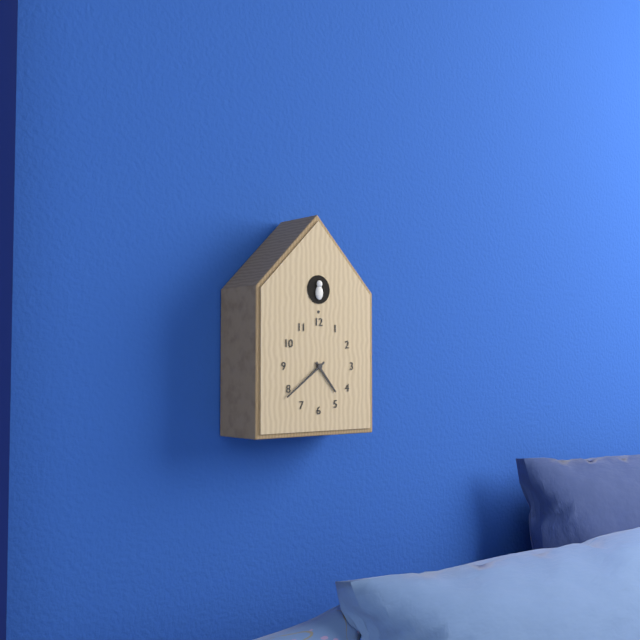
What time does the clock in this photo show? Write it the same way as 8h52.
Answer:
4h39
